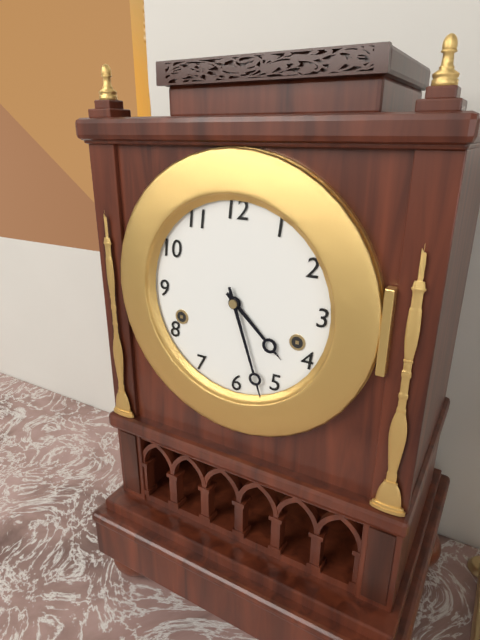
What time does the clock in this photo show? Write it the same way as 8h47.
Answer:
4h27
